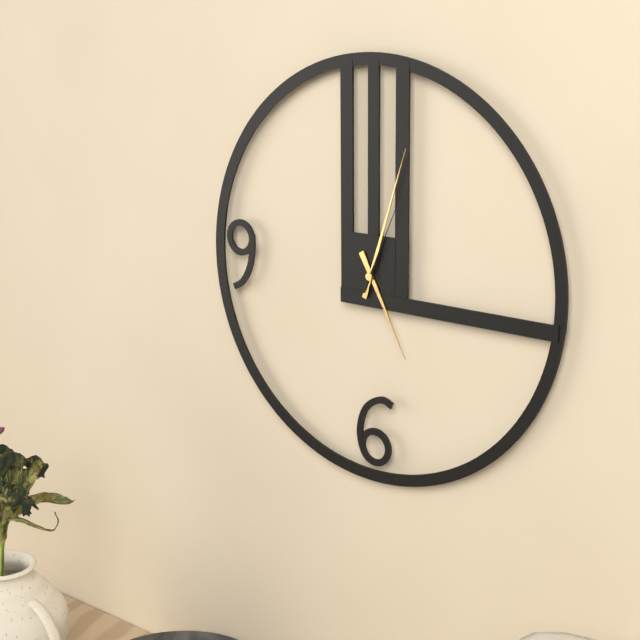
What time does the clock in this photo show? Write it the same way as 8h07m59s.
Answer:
5h03m04s
